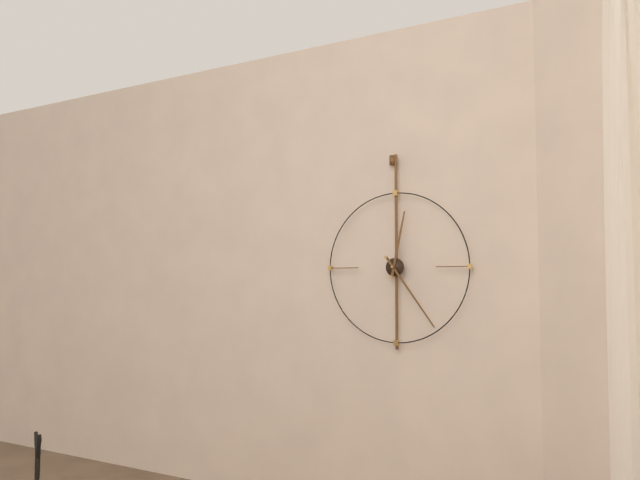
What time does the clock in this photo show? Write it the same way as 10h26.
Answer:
12h24
